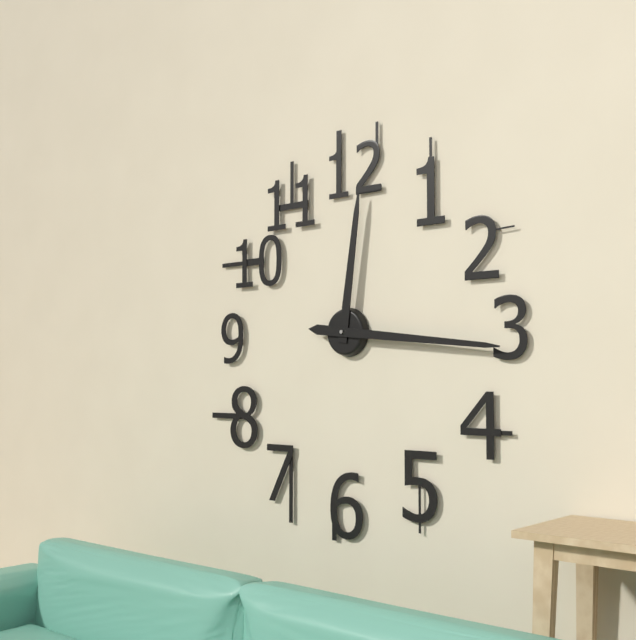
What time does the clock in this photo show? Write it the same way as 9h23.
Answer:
12h16
